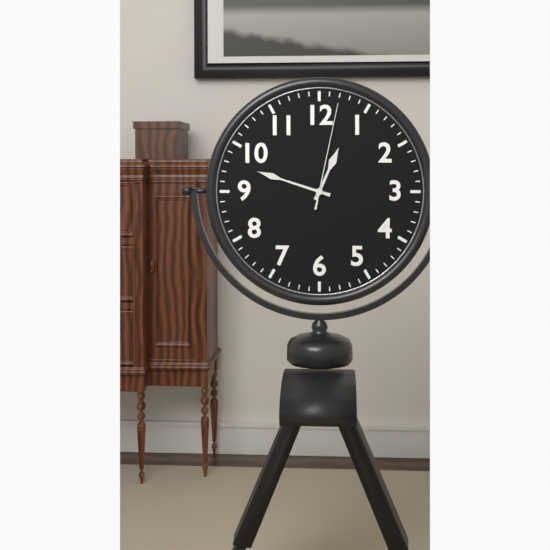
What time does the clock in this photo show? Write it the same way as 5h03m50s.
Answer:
12h48m02s
